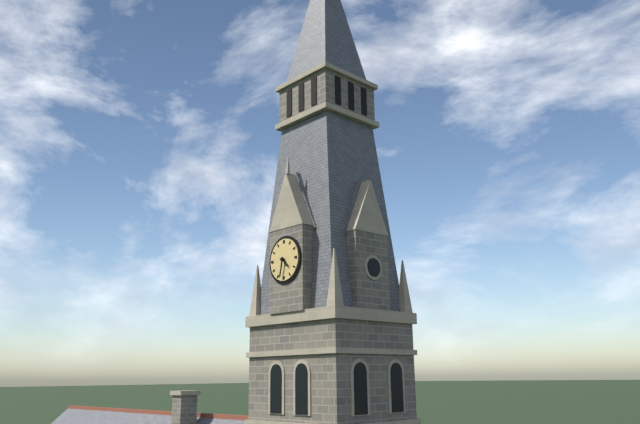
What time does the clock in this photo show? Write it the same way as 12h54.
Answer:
4h32
